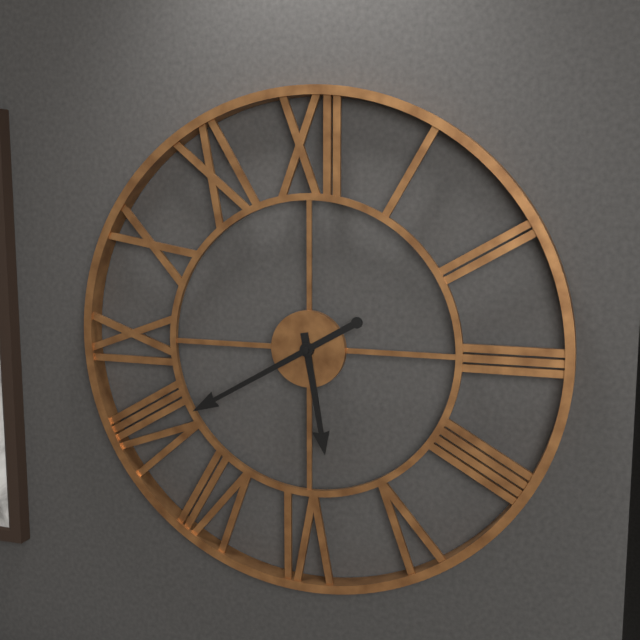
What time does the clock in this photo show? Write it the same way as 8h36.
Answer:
5h40
